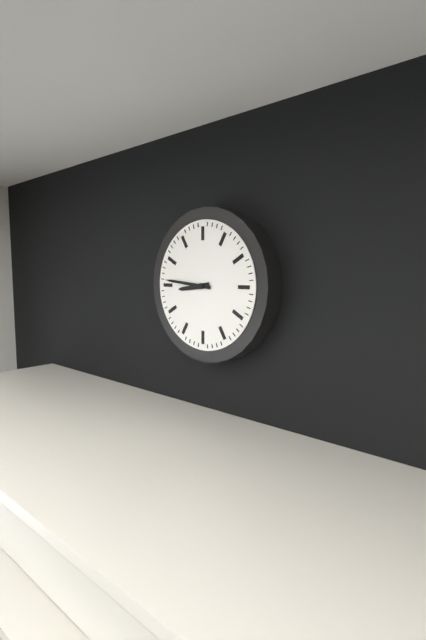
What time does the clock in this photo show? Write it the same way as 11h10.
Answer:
8h46
